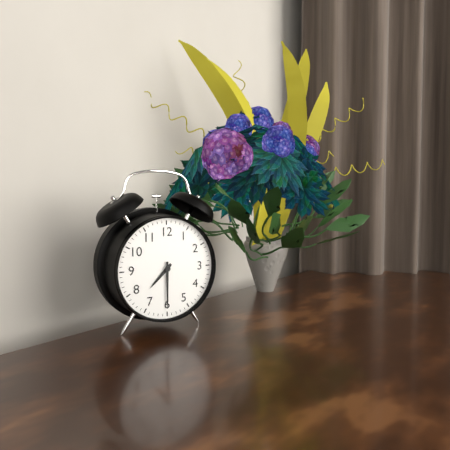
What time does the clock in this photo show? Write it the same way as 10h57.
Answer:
7h30
